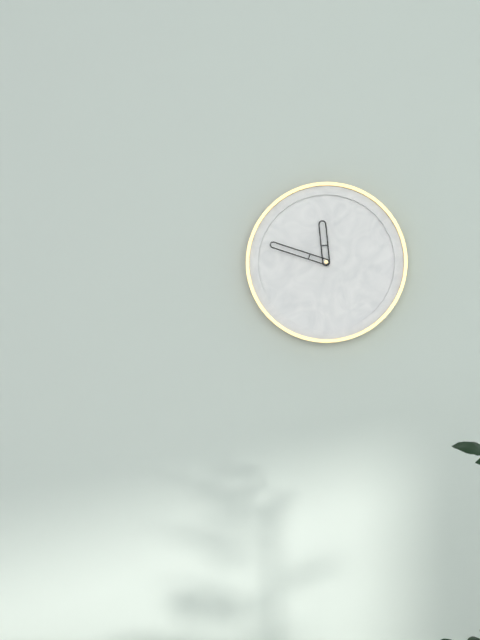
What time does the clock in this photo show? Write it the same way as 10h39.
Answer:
11h48
